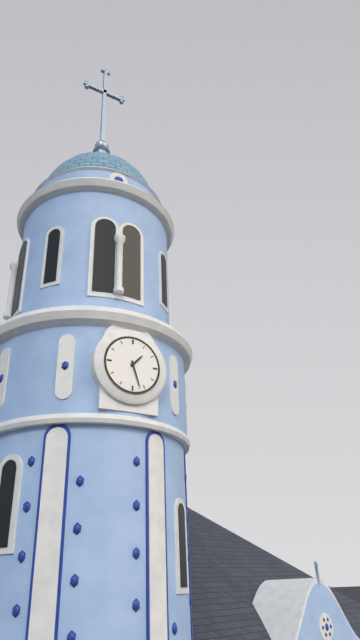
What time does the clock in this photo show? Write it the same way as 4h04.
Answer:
1h27
